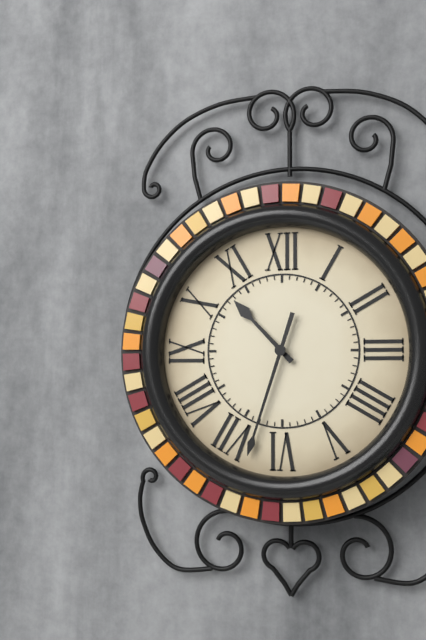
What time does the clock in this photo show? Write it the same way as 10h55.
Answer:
10h33
